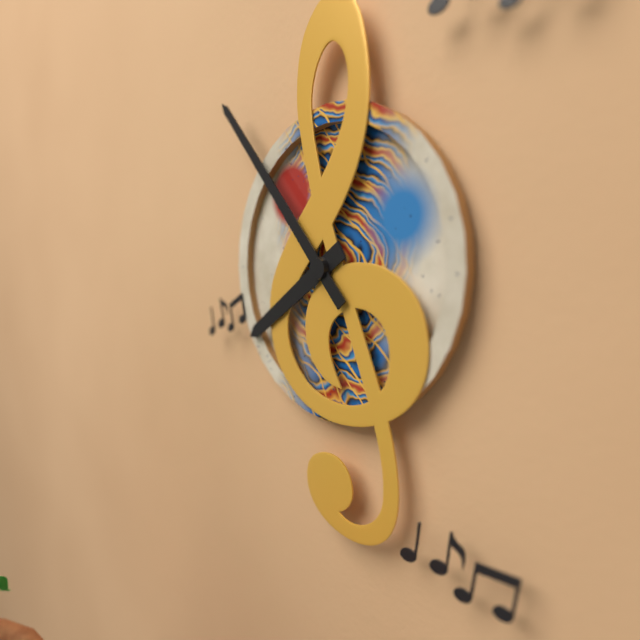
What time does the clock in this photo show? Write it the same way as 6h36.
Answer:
7h53
